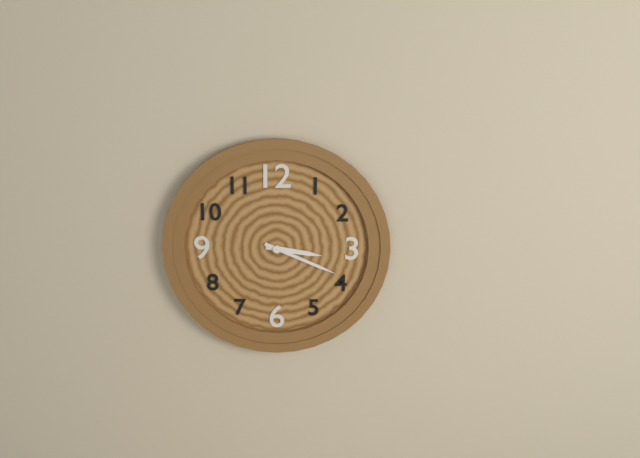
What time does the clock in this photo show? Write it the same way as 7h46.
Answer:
3h19
